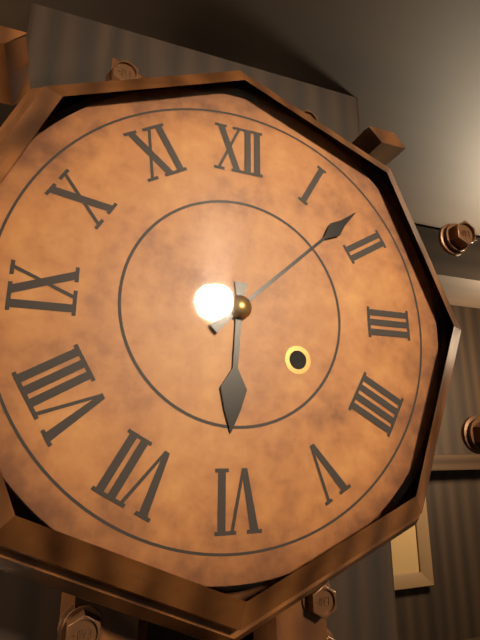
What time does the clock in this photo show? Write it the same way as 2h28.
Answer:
6h08
